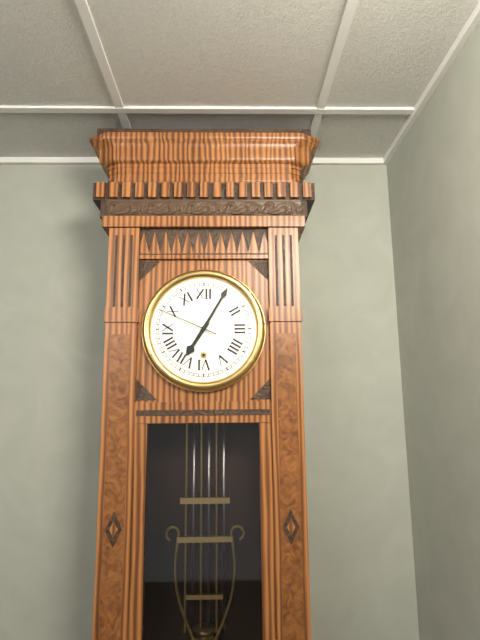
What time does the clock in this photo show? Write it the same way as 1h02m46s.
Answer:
7h05m49s
